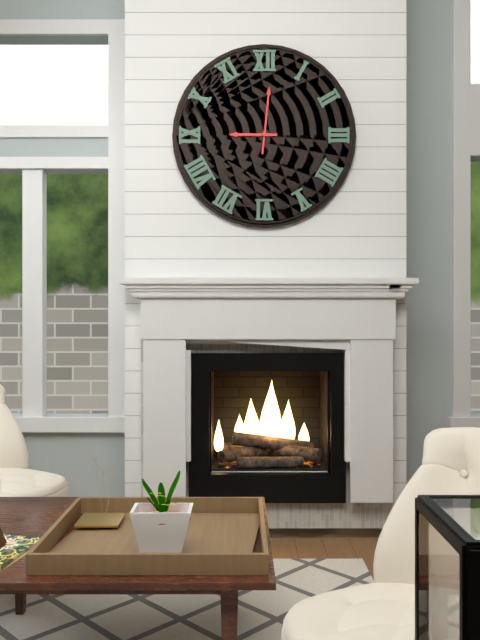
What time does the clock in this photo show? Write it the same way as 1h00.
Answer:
9h01
